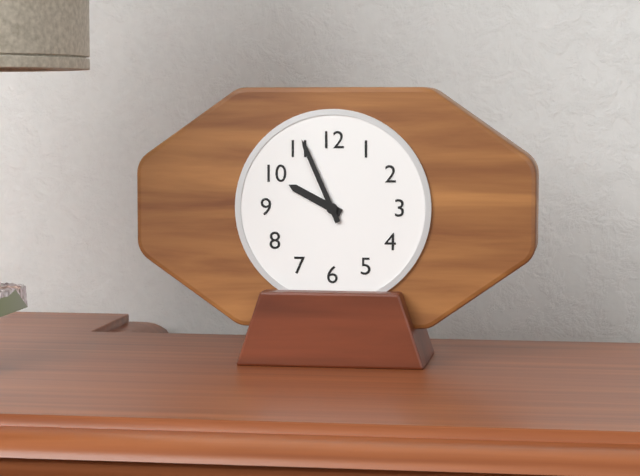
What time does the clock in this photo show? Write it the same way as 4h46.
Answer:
9h56
